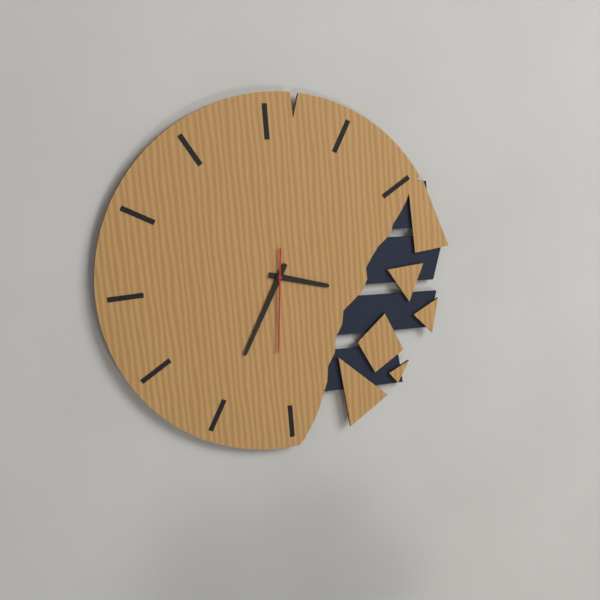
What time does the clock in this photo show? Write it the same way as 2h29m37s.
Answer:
3h35m31s
